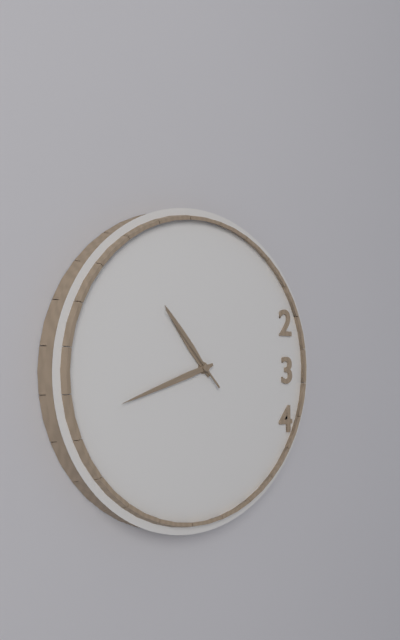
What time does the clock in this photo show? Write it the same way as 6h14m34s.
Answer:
10h42m53s
